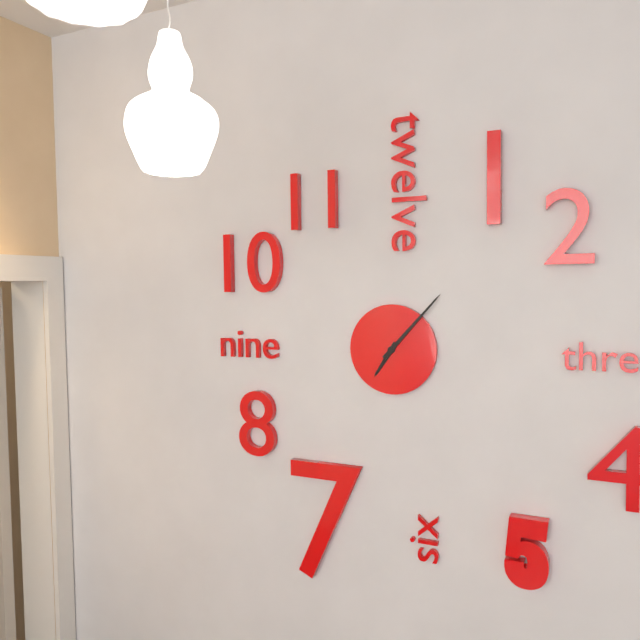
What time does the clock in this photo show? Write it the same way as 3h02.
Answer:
7h07
